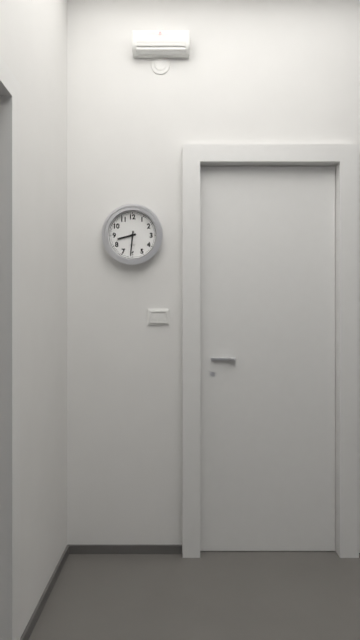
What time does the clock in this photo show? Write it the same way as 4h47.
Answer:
8h31
